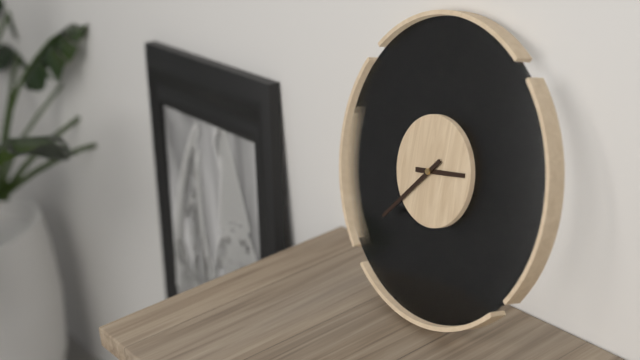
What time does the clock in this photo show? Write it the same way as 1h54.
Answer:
2h37
